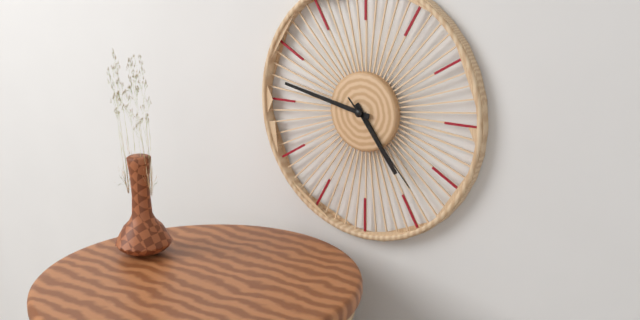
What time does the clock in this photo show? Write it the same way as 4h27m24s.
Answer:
4h47m23s
